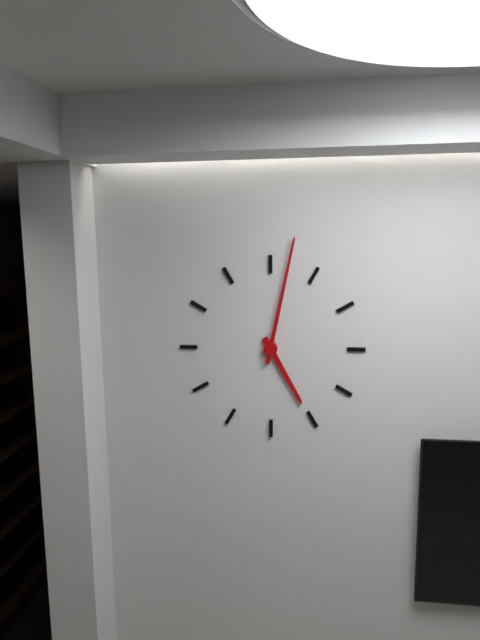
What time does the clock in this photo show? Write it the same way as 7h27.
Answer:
5h02
